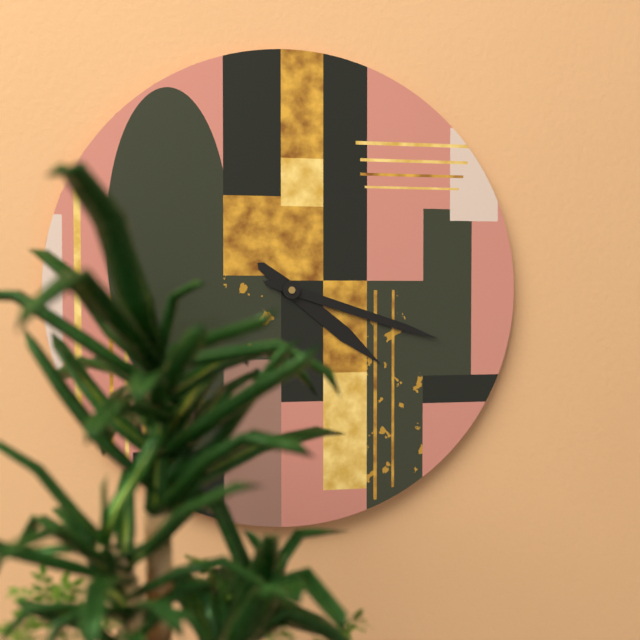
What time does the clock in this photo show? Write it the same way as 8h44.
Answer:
4h18
